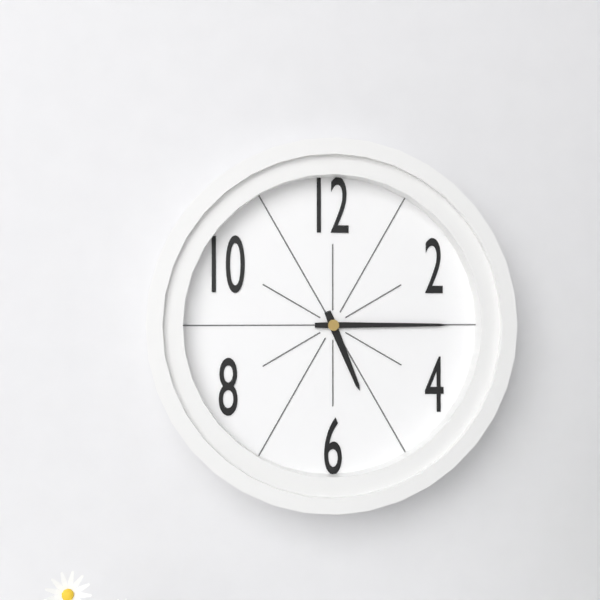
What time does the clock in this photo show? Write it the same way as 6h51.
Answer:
5h15
